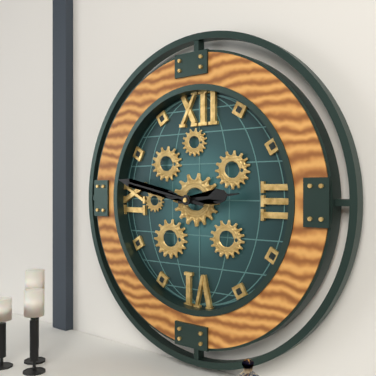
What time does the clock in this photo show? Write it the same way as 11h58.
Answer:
2h47
